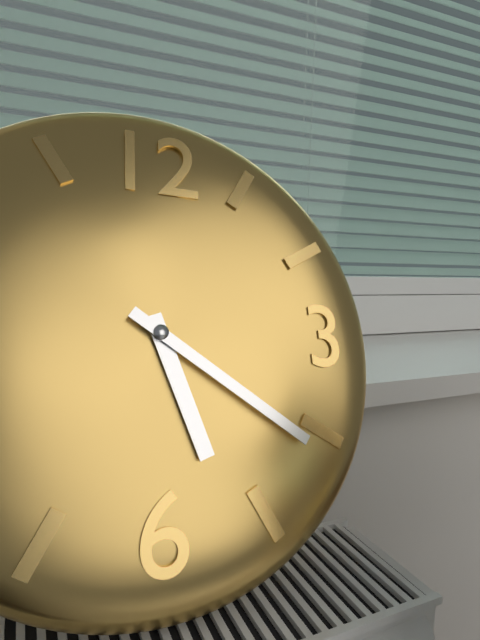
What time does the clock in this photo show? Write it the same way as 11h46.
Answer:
5h21
